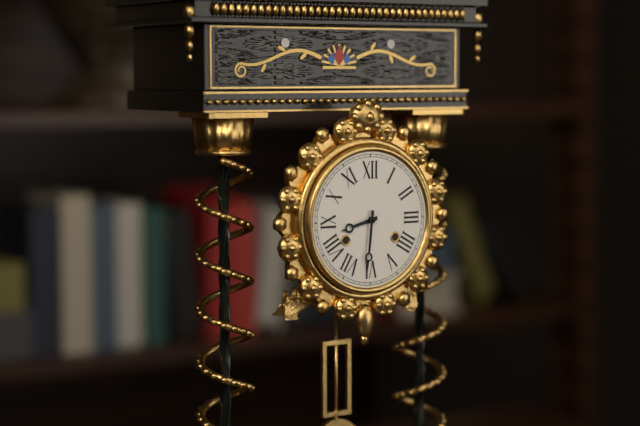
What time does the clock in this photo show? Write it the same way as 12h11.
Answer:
8h31
